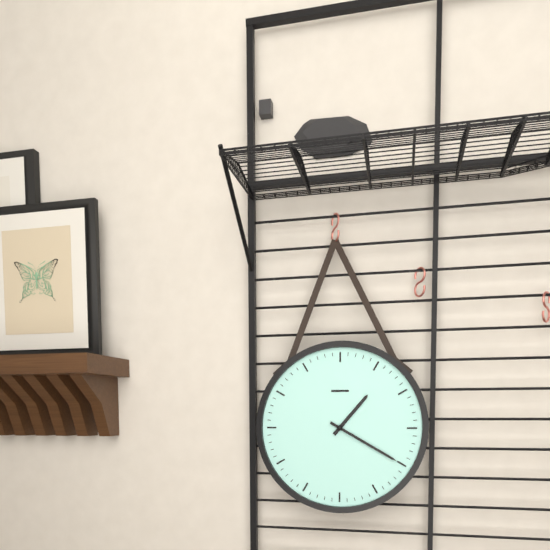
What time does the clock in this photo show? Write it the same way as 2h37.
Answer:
1h20
